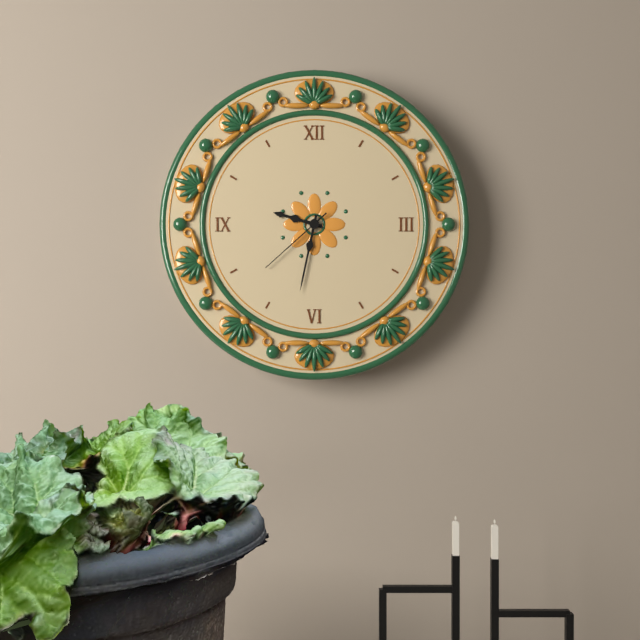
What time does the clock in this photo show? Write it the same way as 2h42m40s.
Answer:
9h32m38s
